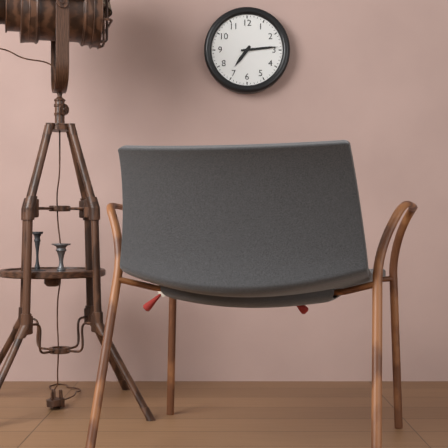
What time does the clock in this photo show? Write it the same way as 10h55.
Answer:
7h14
